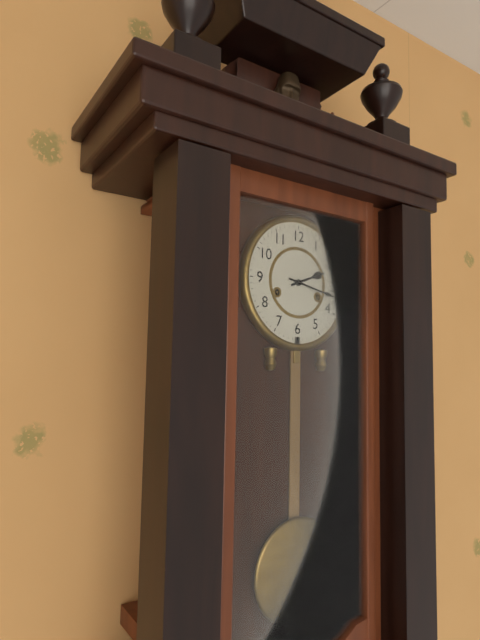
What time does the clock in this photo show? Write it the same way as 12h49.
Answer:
2h17
